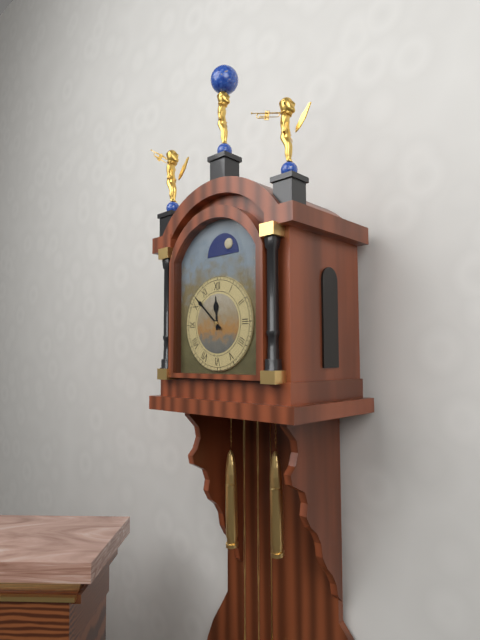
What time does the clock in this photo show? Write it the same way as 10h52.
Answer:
11h52
